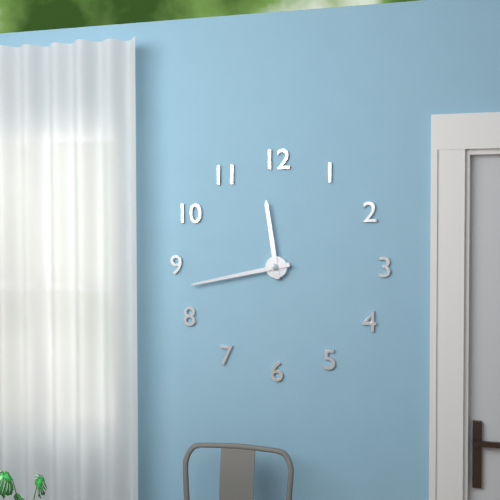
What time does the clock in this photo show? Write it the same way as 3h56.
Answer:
11h43
